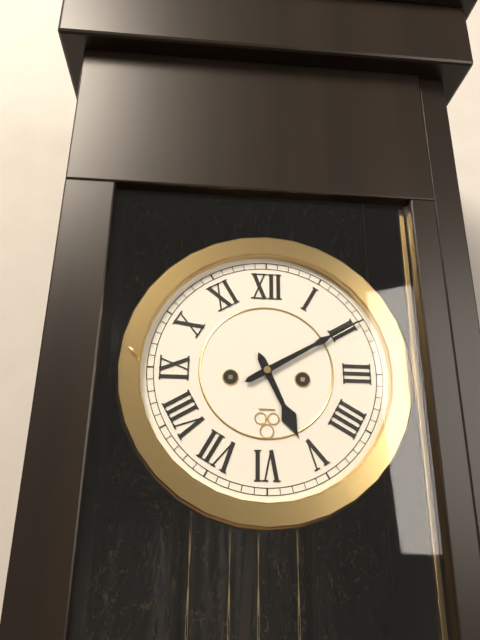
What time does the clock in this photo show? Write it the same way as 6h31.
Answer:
5h10
